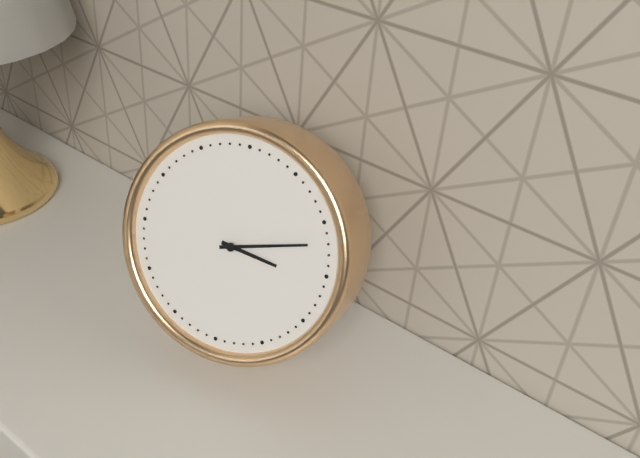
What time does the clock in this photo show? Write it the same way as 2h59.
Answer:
3h12
